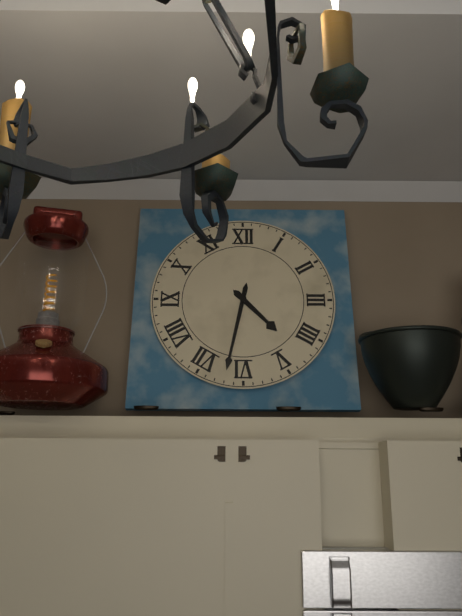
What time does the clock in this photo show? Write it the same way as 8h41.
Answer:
4h32
